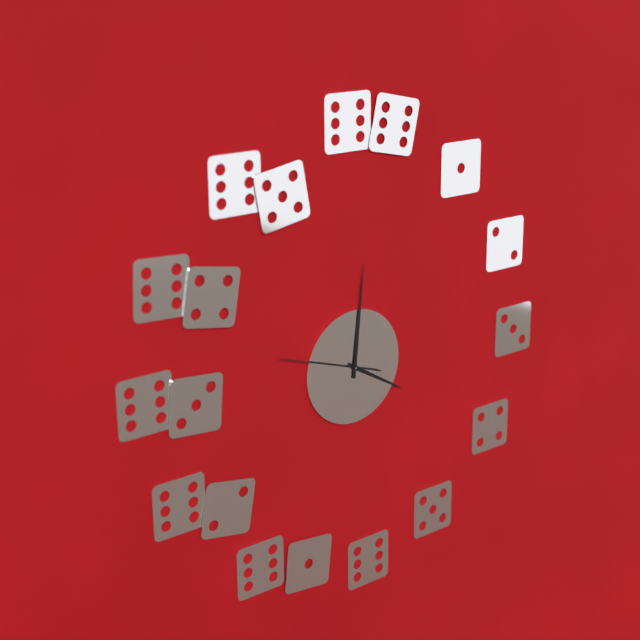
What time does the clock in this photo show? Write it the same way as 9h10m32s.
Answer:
4h01m48s
